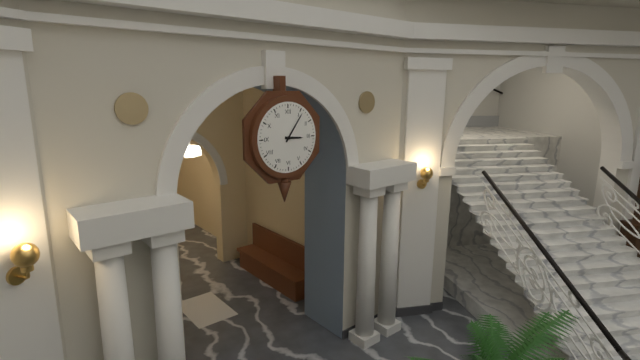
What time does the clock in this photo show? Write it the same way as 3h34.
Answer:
3h06
